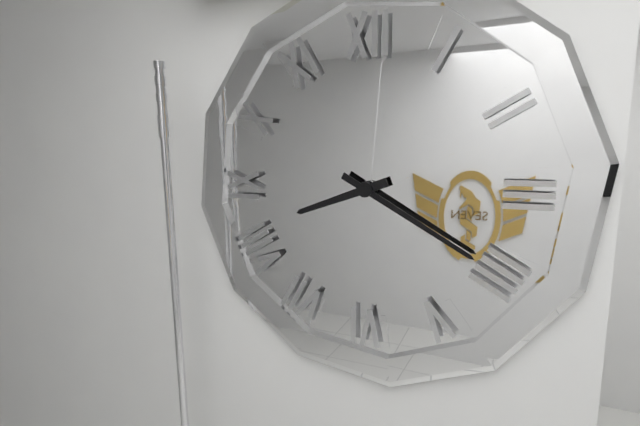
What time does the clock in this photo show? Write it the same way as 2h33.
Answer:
8h20
